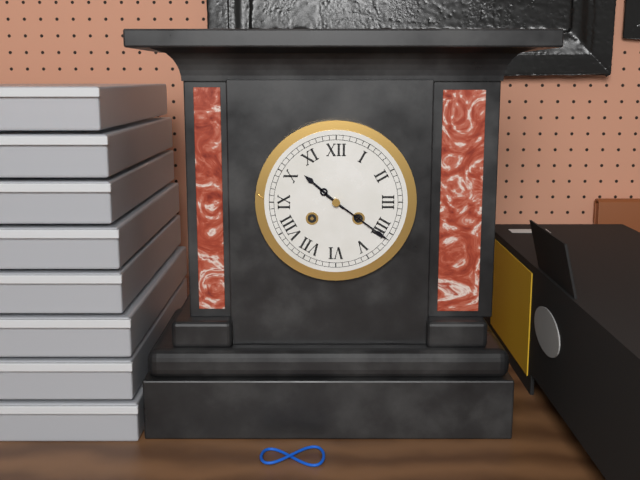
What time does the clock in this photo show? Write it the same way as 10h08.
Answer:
10h21
